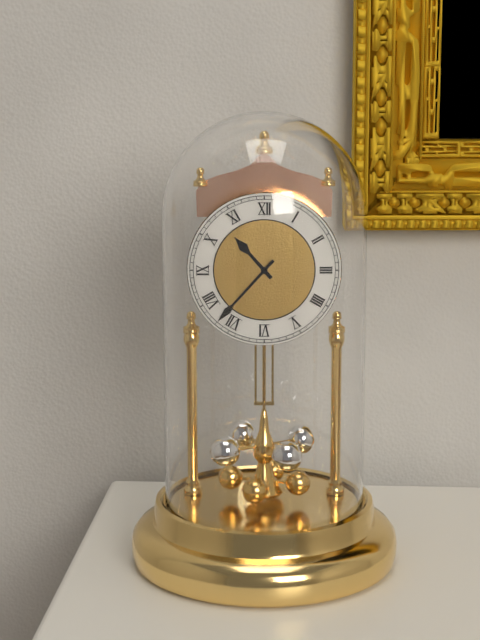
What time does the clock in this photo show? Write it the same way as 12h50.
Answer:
10h37
